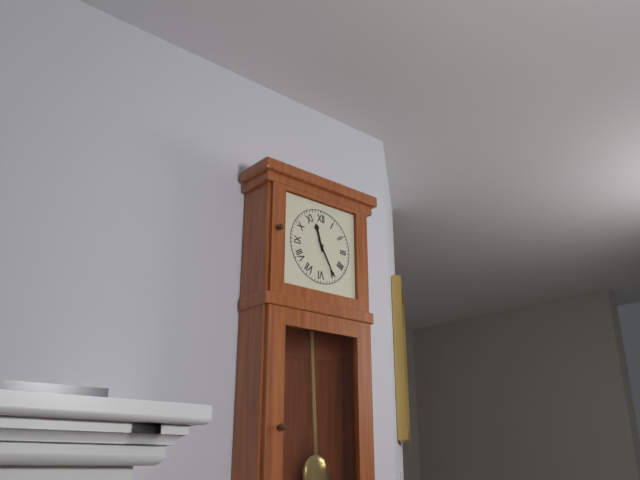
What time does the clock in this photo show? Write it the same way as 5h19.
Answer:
11h25
